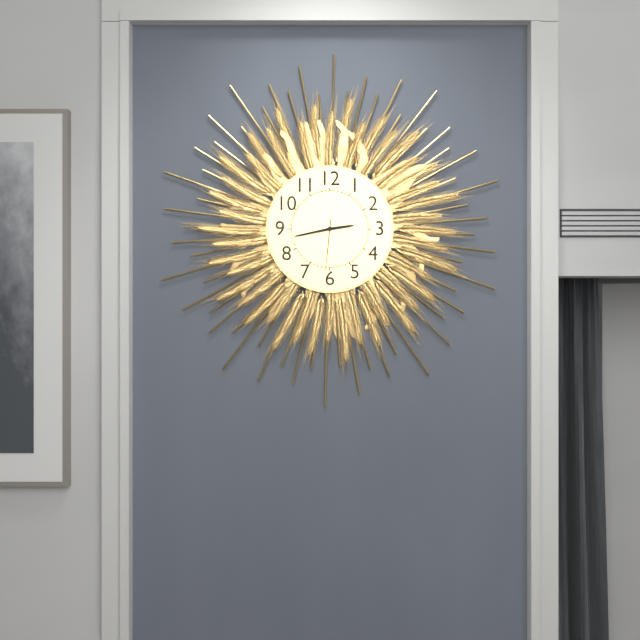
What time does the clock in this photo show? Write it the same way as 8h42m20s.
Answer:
2h43m31s
